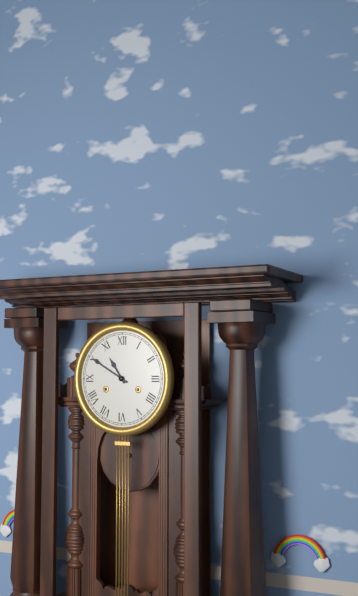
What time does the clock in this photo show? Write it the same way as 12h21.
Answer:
10h50
